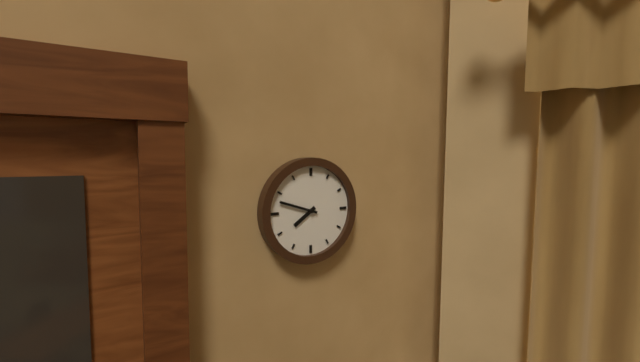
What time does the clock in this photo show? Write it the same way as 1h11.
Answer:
7h48
